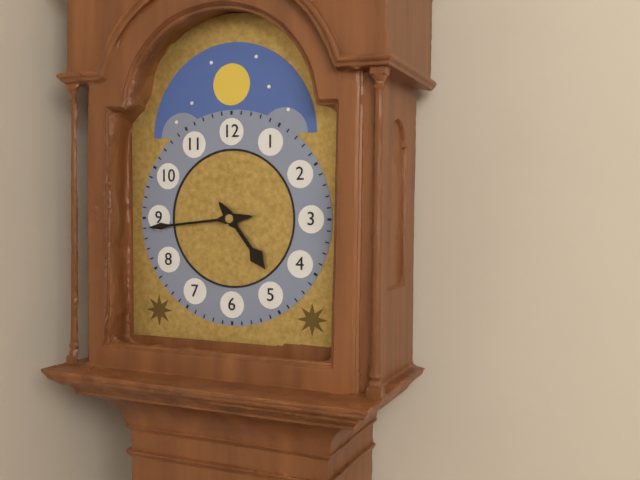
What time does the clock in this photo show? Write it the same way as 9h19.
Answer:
4h44
